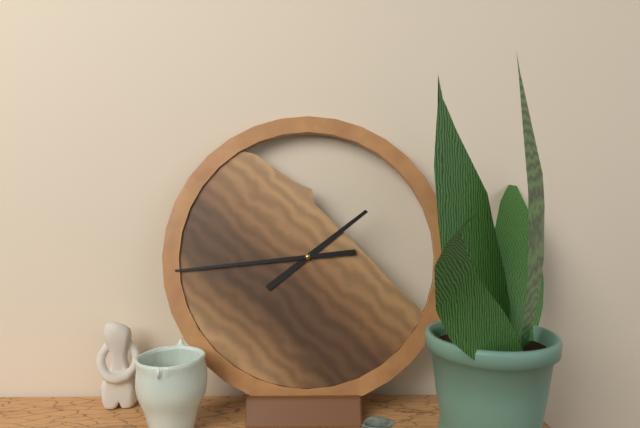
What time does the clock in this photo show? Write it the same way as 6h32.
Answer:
1h44
